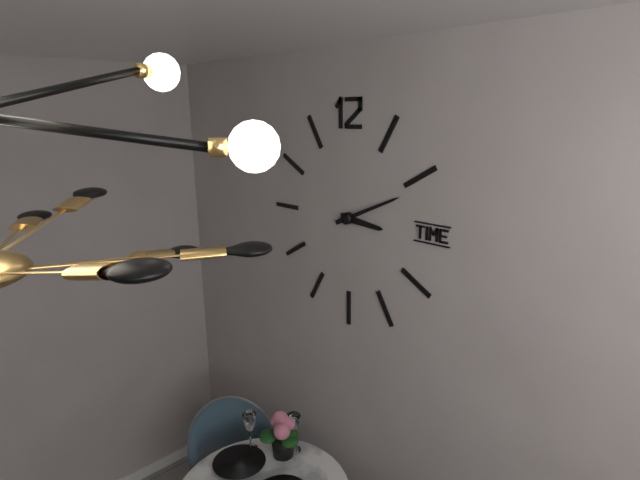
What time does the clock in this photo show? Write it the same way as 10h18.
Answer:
3h11
